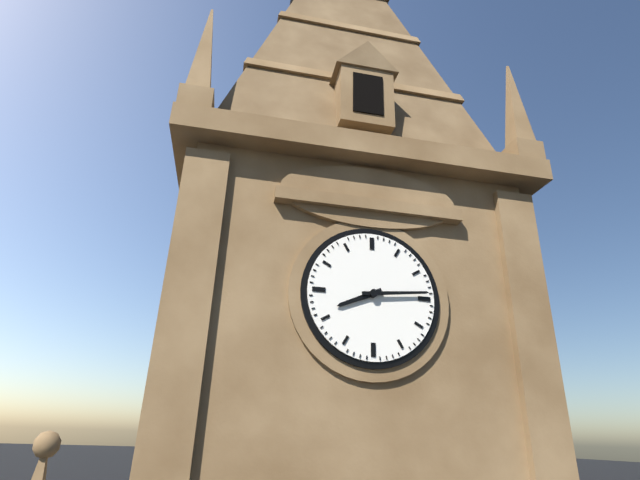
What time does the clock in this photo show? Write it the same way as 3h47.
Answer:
8h14
